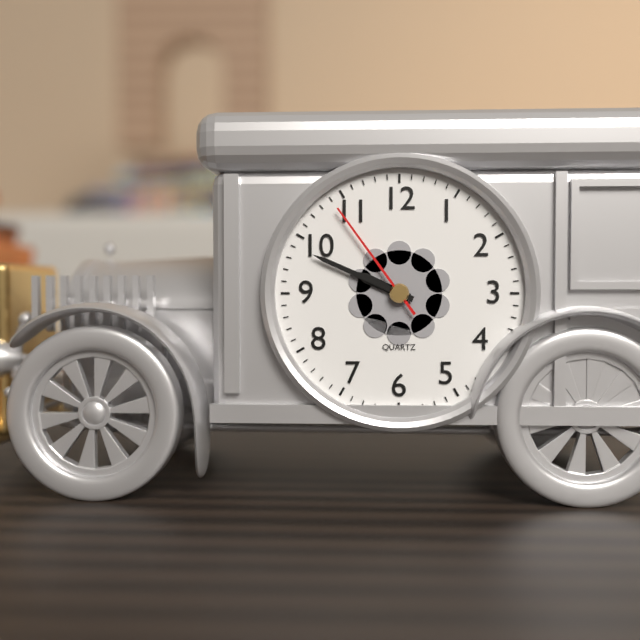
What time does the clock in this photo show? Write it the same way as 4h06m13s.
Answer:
9h49m54s
